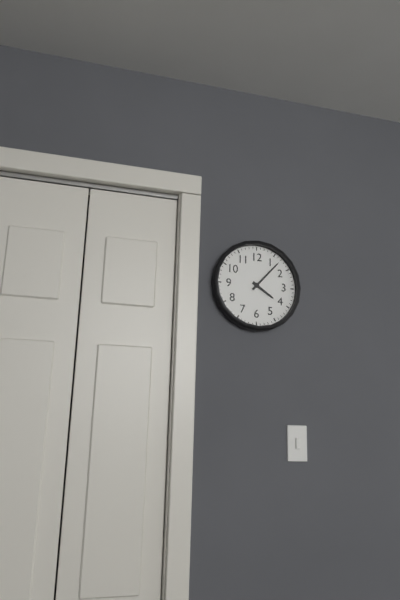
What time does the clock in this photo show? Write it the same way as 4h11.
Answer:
4h07
